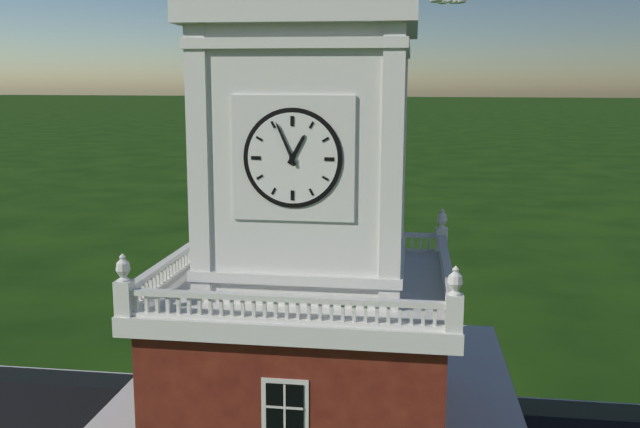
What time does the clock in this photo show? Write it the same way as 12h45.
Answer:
12h56
